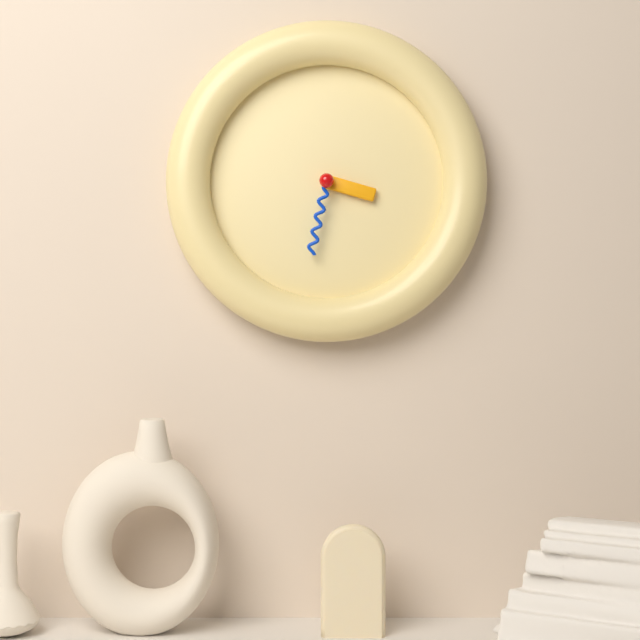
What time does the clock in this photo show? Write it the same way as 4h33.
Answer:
3h32
